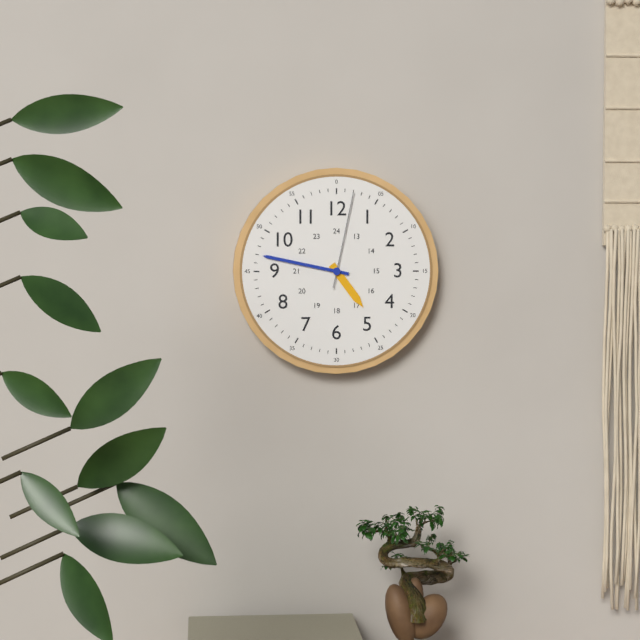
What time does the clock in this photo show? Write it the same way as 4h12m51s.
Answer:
4h47m02s
